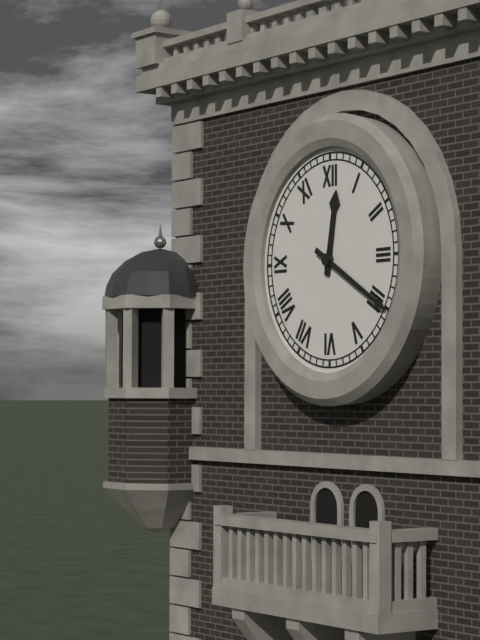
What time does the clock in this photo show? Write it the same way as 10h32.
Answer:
12h20
